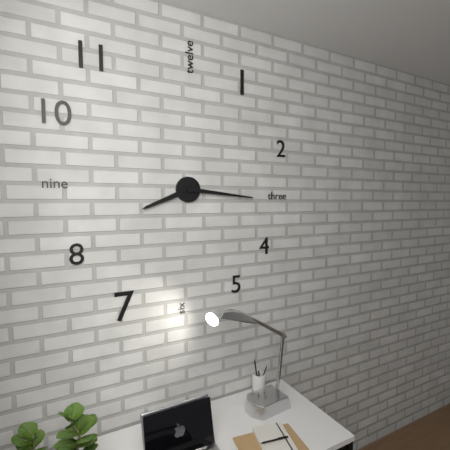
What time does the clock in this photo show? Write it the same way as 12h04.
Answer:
8h16
